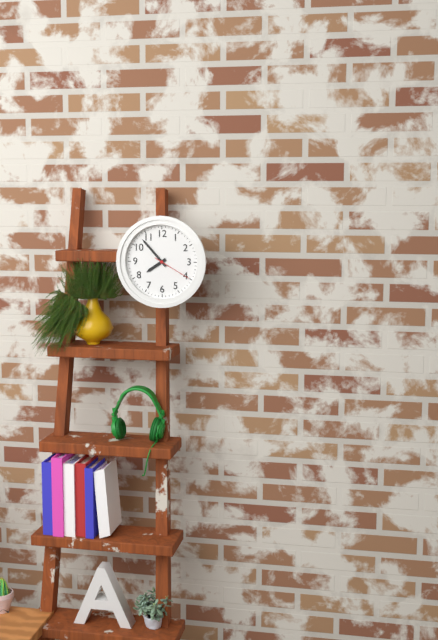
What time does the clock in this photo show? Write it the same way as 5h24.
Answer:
7h53
